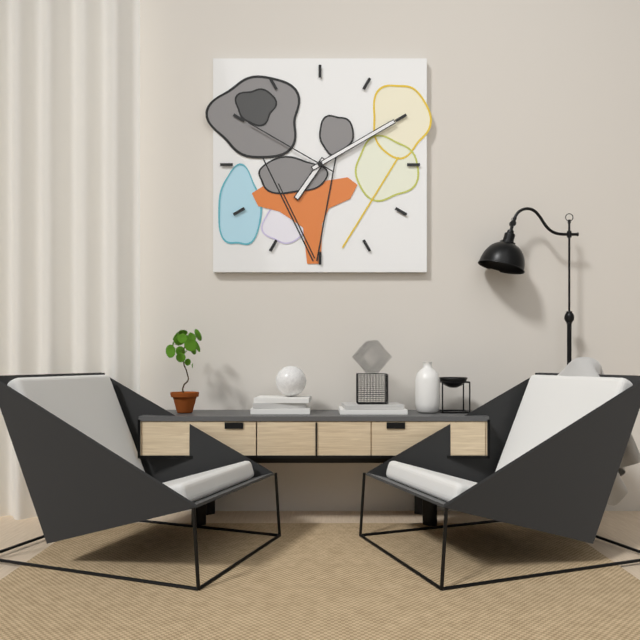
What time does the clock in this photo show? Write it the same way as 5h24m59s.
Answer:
7h10m50s
